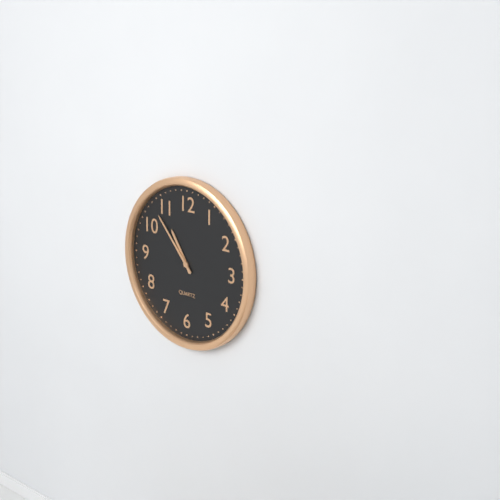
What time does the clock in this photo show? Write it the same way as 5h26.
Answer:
10h53
